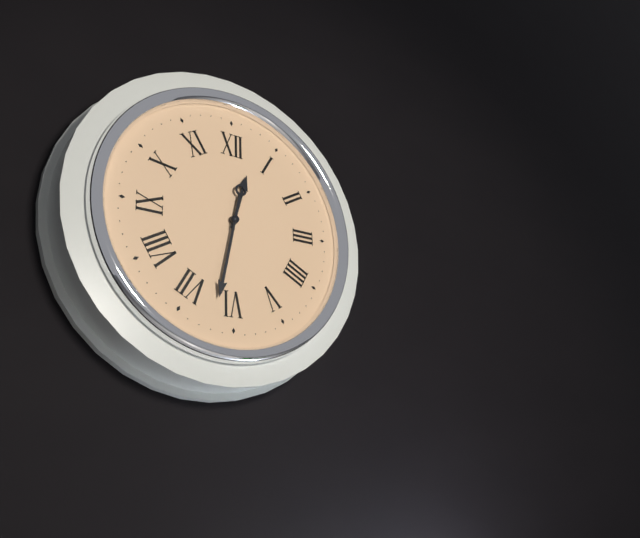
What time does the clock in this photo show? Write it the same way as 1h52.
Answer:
12h32
